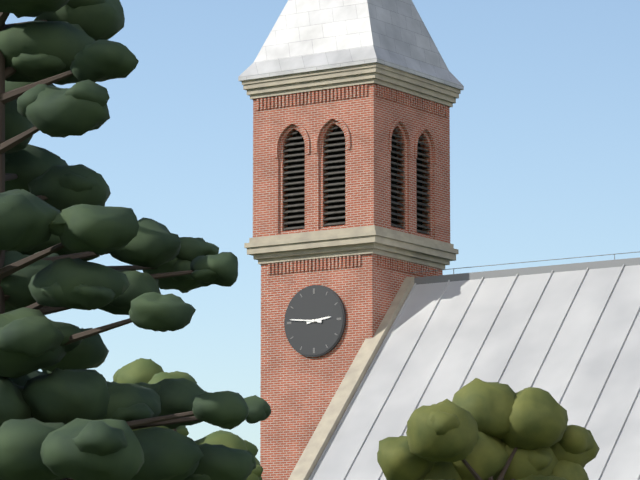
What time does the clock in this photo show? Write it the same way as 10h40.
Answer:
2h46
